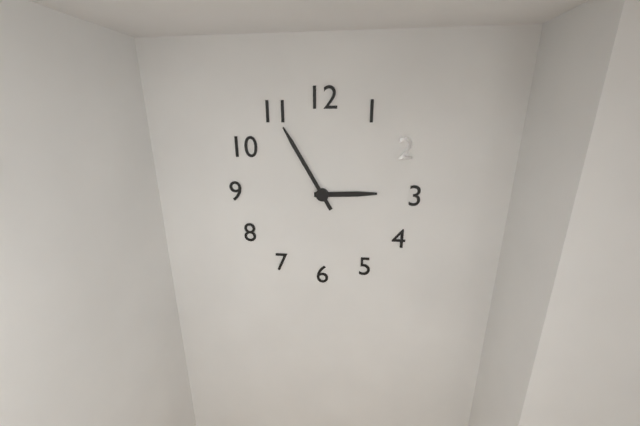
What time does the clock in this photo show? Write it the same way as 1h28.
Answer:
2h55
